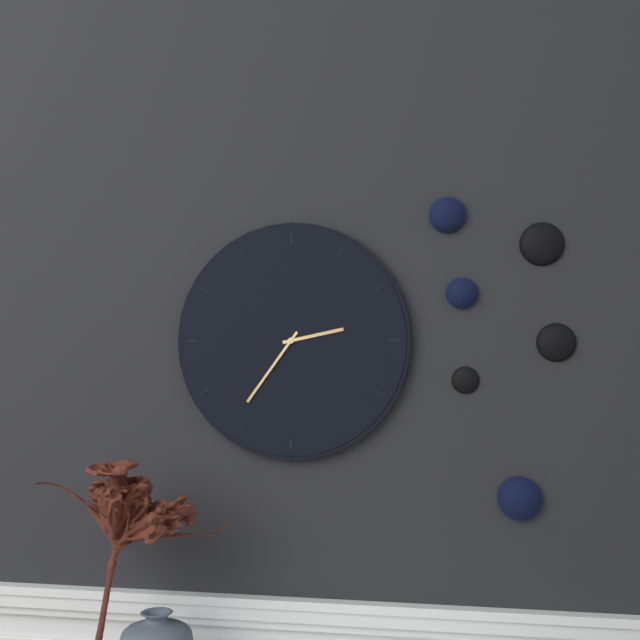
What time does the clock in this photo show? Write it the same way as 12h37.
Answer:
2h36
